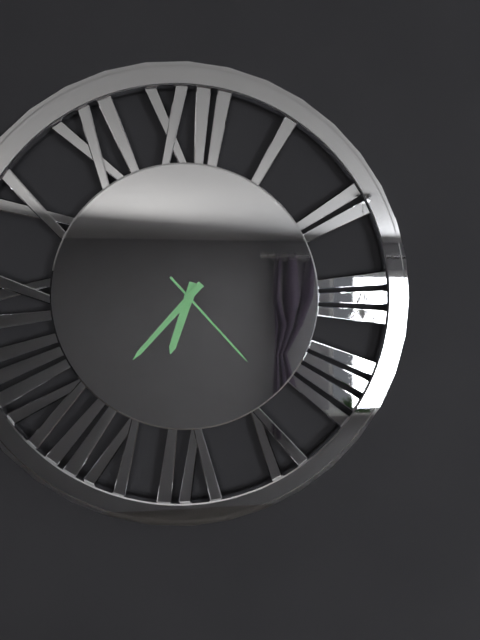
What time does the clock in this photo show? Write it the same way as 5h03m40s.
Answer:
6h37m23s
